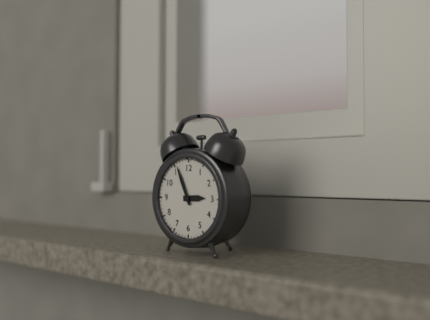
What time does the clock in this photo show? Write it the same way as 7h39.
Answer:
2h56
